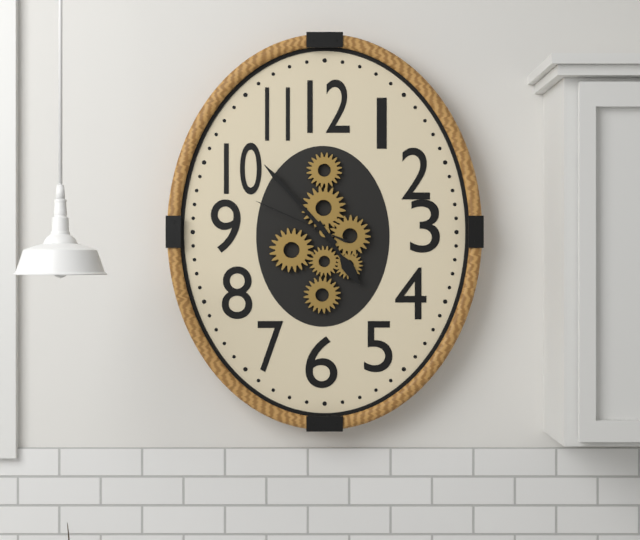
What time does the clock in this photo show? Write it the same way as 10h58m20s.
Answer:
4h53m49s
